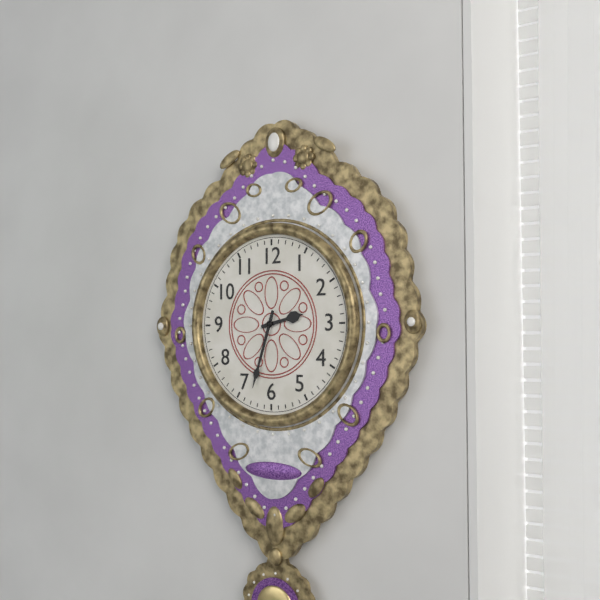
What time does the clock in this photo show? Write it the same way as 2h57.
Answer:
2h33
